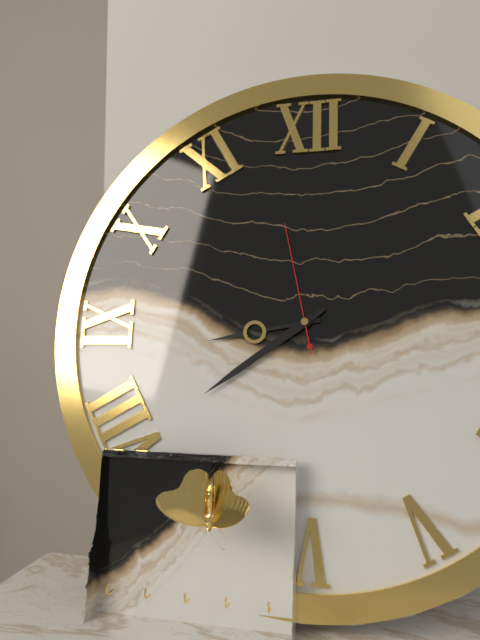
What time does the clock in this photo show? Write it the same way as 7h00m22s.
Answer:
8h39m58s
